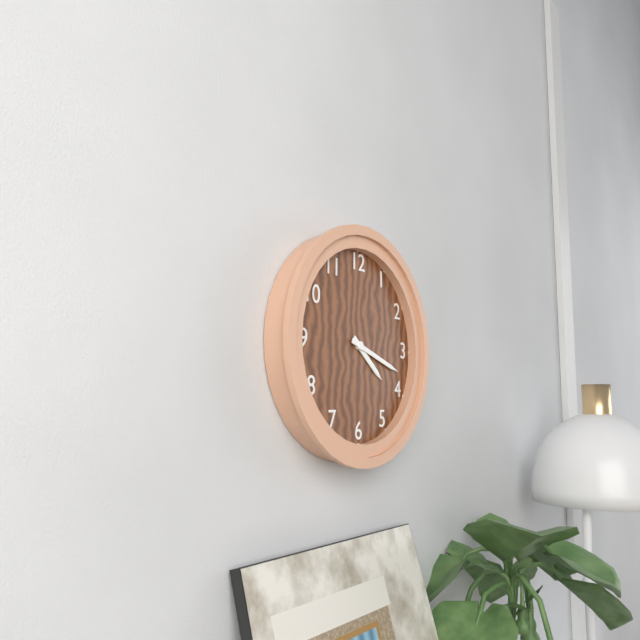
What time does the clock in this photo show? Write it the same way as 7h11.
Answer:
4h18
